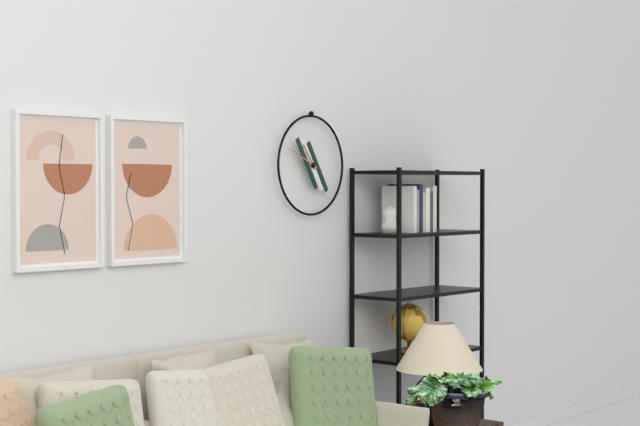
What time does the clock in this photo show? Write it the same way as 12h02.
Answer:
10h49
